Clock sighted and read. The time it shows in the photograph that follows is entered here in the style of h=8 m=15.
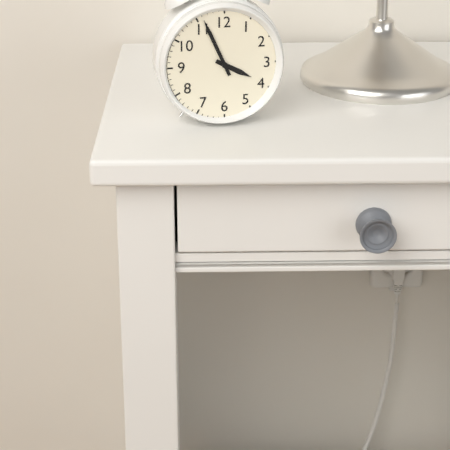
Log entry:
h=3 m=56
